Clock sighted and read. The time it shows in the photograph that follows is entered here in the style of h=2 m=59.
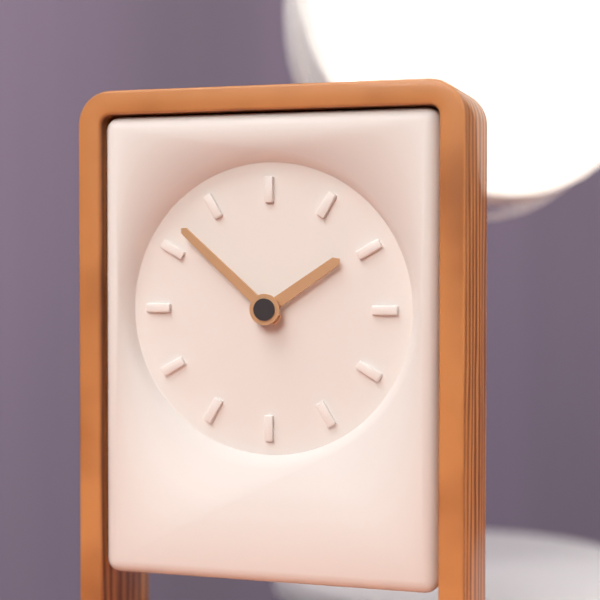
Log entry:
h=1 m=52
